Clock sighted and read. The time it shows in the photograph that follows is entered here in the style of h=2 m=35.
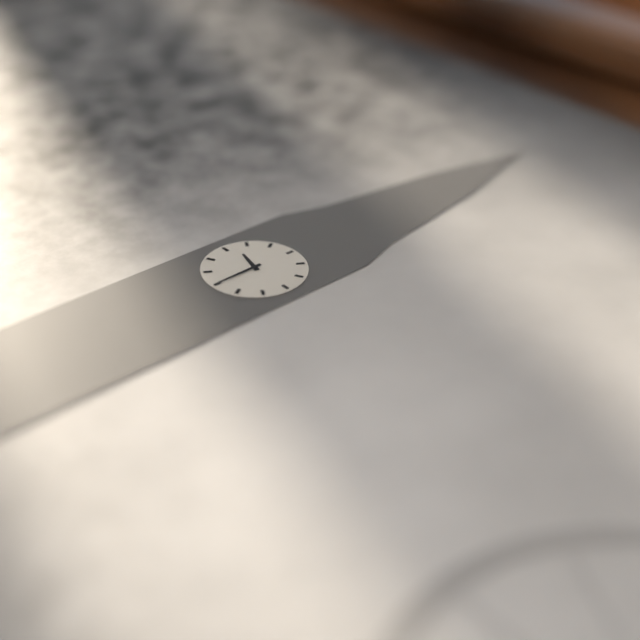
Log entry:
h=9 m=30
